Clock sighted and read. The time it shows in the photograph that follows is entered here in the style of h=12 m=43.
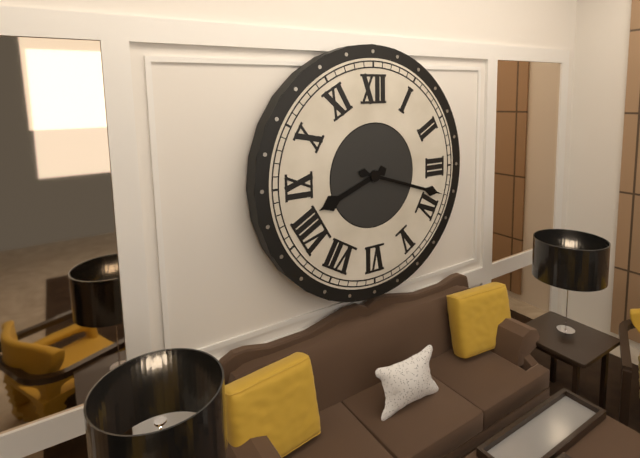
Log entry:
h=8 m=18
